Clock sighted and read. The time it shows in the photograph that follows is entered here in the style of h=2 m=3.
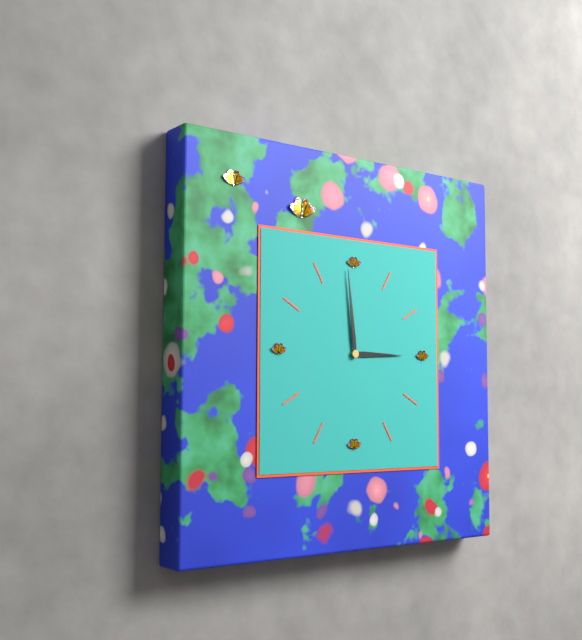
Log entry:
h=2 m=59
